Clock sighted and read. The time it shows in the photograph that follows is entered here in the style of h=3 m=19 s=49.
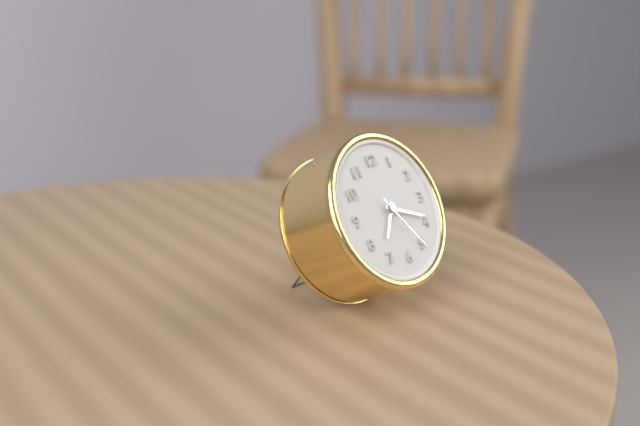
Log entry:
h=7 m=19 s=25
